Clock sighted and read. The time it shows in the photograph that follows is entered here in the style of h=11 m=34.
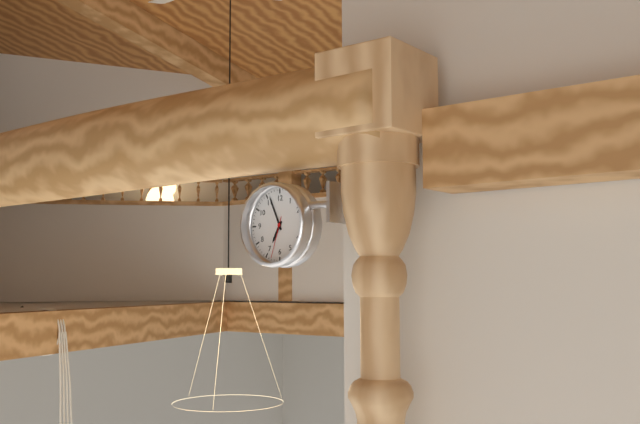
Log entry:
h=6 m=56
